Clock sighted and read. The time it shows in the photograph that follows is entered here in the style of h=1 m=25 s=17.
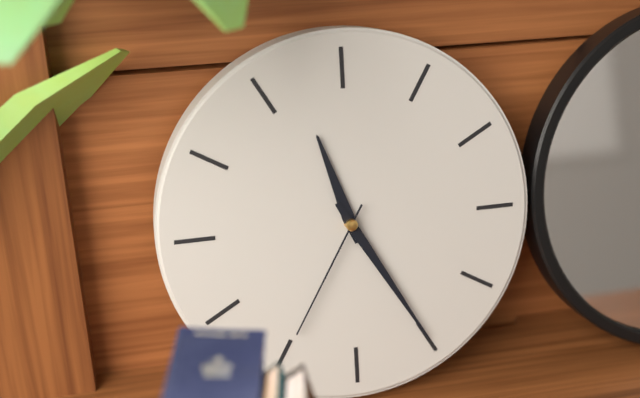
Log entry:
h=11 m=25 s=35
